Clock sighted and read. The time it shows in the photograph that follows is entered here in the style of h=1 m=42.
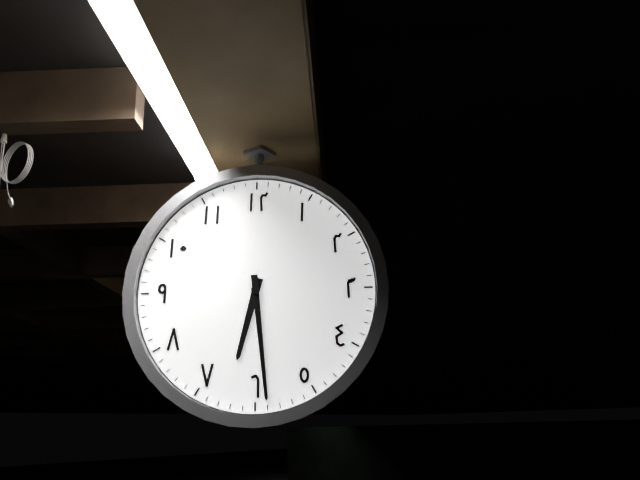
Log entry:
h=6 m=29
